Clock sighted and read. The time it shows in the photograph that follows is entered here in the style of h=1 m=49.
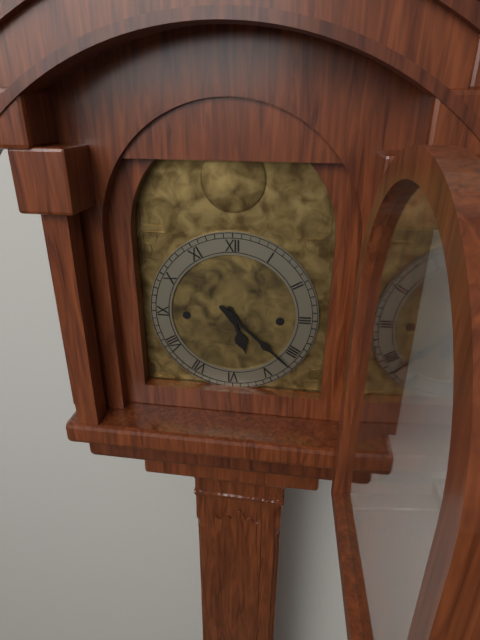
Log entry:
h=5 m=22
